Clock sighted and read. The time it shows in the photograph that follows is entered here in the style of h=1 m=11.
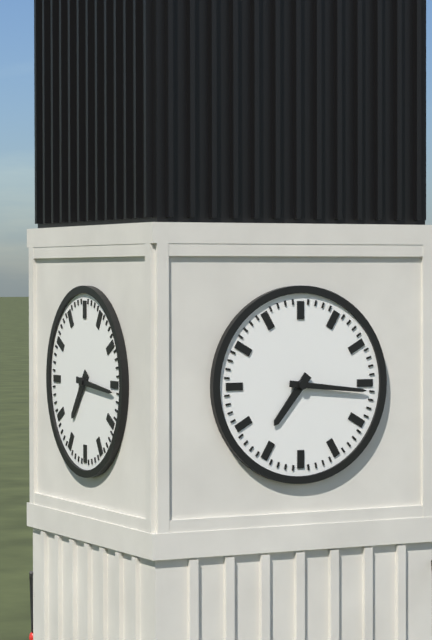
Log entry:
h=7 m=16
